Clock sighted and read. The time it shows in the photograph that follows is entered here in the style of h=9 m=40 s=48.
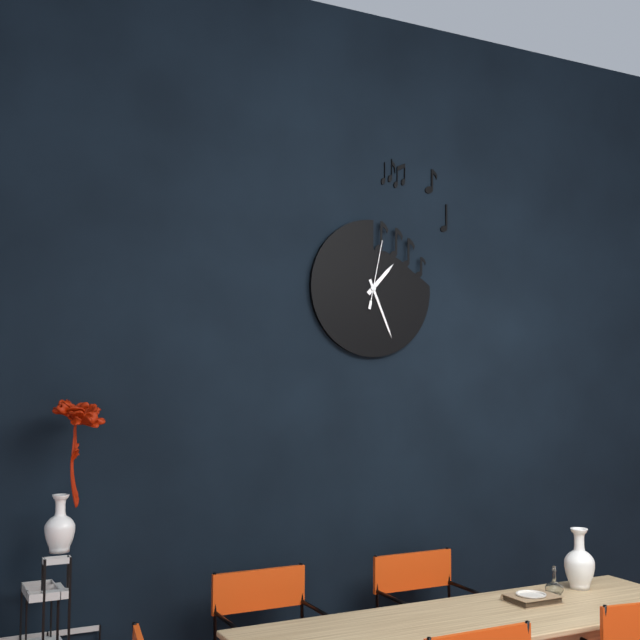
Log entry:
h=1 m=26 s=2
